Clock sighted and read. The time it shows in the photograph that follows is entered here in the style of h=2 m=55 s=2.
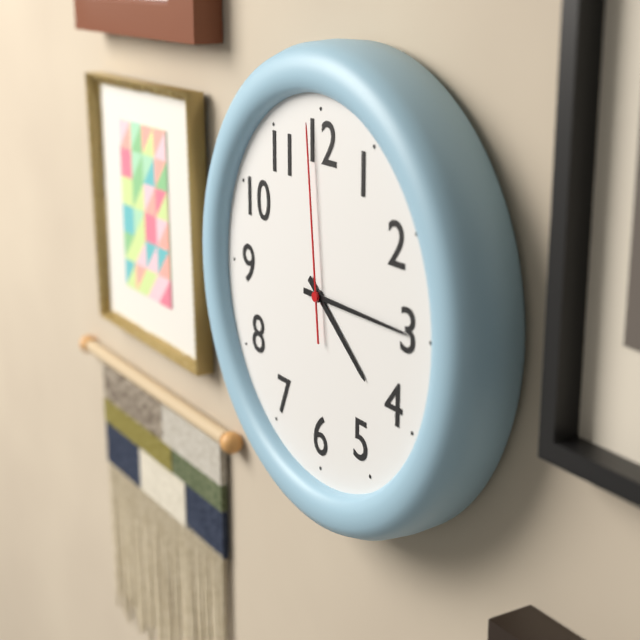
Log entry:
h=4 m=15 s=59
